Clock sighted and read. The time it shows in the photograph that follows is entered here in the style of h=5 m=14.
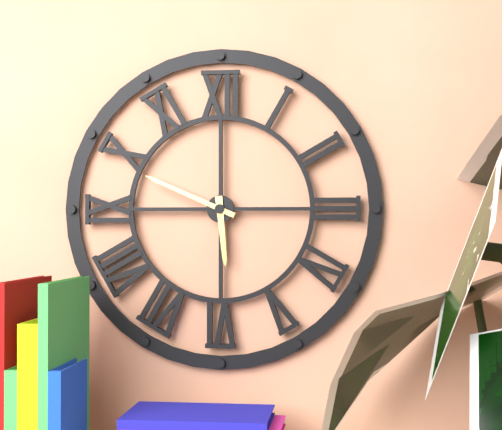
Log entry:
h=5 m=49
